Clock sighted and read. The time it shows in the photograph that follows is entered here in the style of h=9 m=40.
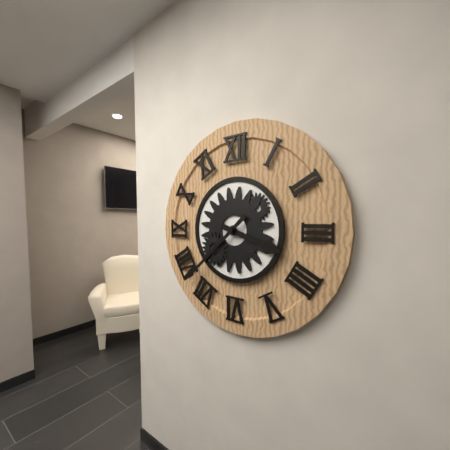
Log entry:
h=3 m=38
